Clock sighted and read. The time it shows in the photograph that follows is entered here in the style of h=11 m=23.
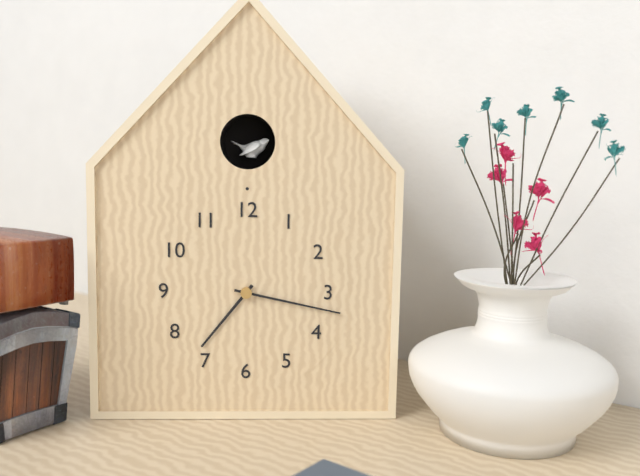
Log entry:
h=7 m=17
